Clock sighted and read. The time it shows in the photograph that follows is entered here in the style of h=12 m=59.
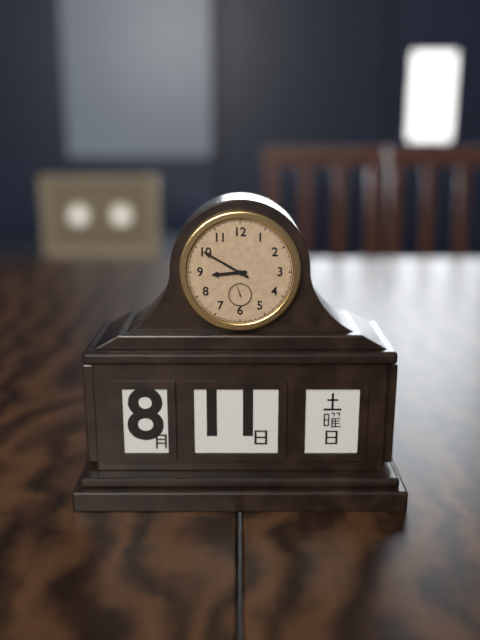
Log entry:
h=8 m=50
